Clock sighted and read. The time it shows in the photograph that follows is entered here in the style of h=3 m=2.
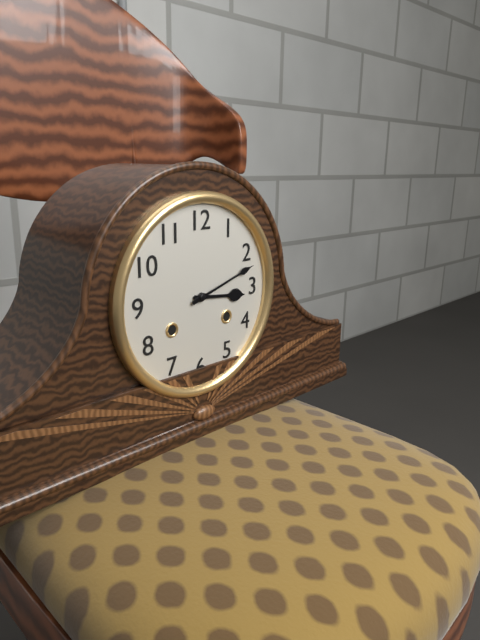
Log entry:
h=3 m=12
